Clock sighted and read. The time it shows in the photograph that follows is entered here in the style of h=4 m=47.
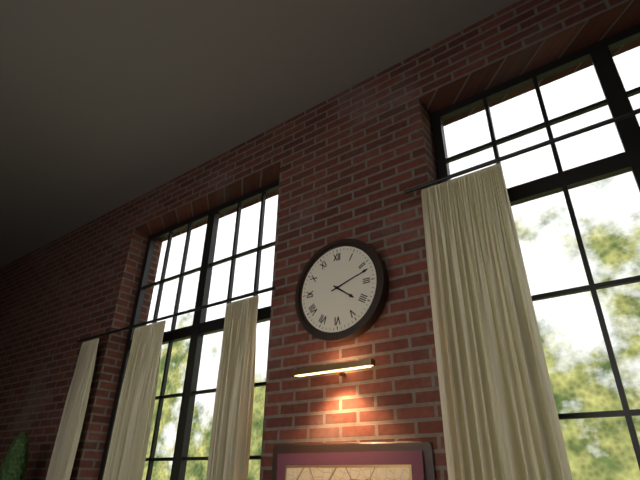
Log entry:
h=4 m=12
